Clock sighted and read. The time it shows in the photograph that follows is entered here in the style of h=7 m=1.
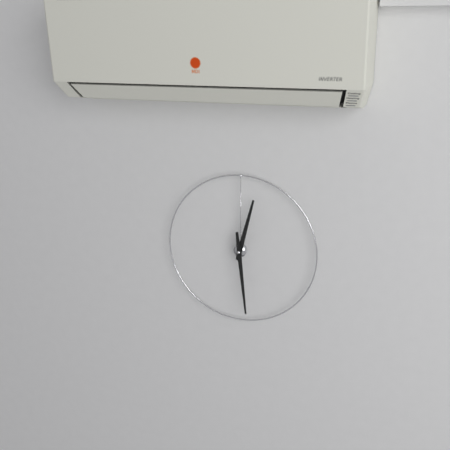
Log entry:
h=12 m=29
